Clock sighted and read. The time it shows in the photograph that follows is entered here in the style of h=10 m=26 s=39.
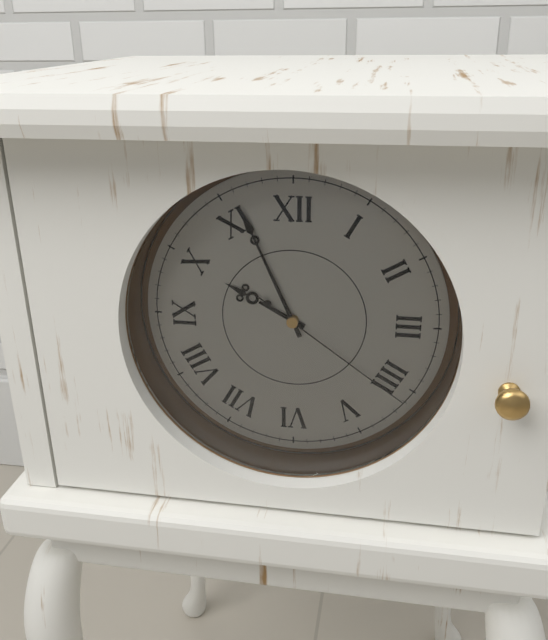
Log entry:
h=9 m=56 s=21
